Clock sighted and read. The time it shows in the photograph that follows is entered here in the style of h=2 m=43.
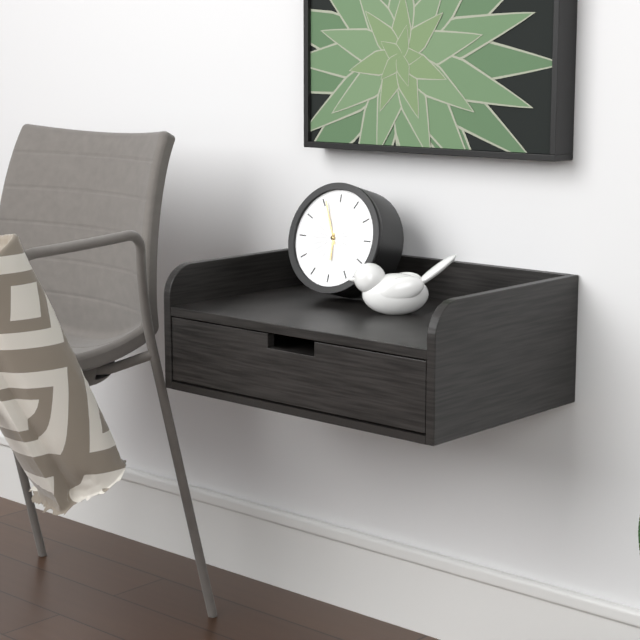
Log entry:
h=5 m=56
